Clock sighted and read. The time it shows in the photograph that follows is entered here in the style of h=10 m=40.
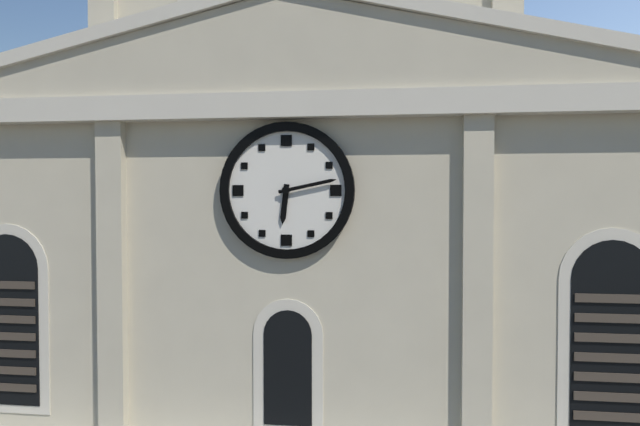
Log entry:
h=6 m=13
